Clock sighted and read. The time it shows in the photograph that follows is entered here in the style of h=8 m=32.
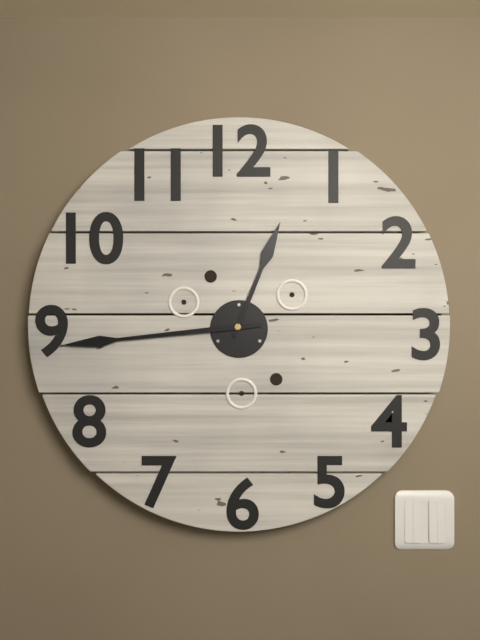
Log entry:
h=12 m=44
